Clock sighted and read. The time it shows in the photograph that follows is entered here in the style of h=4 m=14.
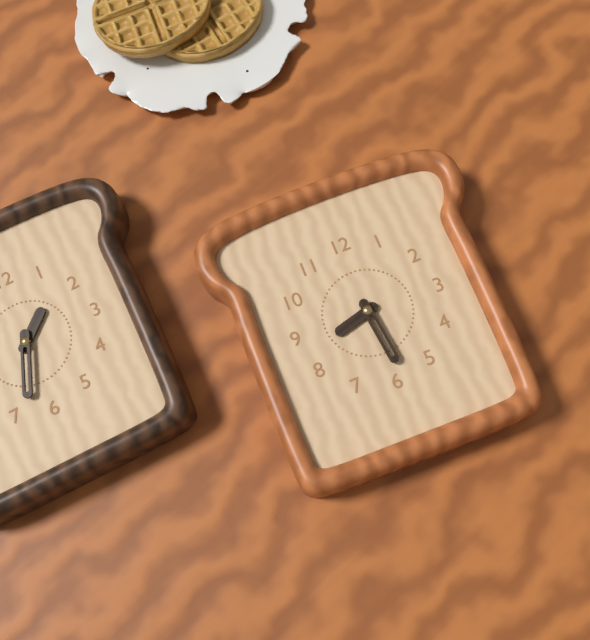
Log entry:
h=8 m=29
